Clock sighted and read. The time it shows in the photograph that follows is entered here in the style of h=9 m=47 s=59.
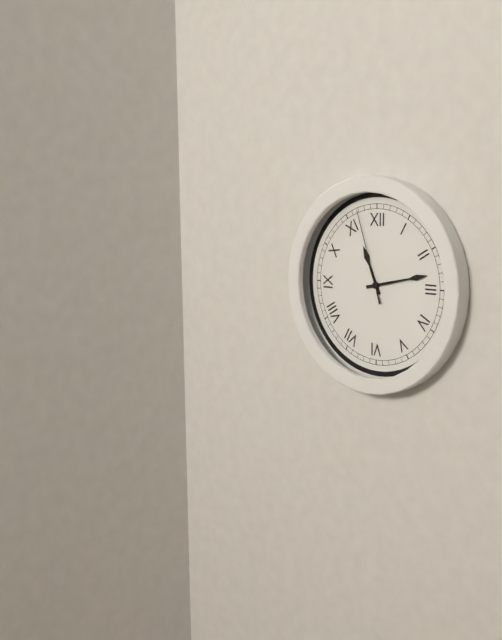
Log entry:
h=11 m=13 s=57
